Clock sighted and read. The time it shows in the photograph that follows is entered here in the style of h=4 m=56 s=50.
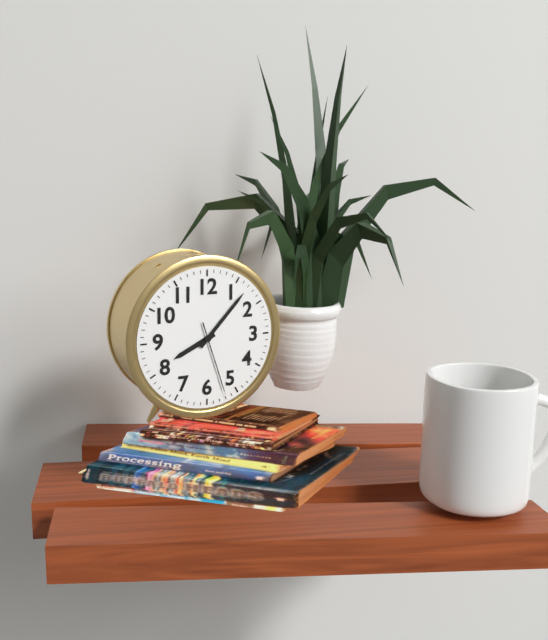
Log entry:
h=8 m=7 s=27
